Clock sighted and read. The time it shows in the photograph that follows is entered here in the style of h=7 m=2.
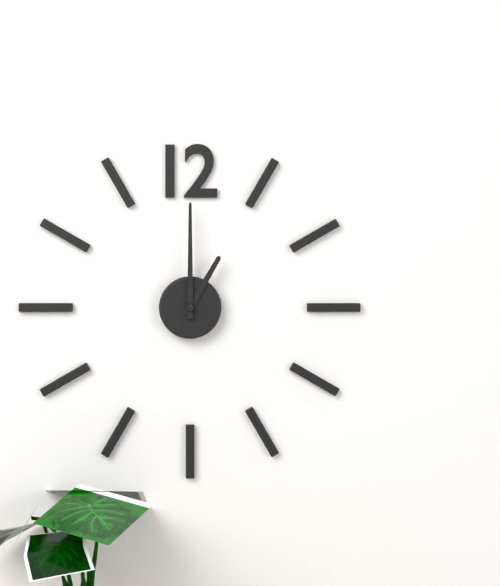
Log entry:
h=1 m=0
